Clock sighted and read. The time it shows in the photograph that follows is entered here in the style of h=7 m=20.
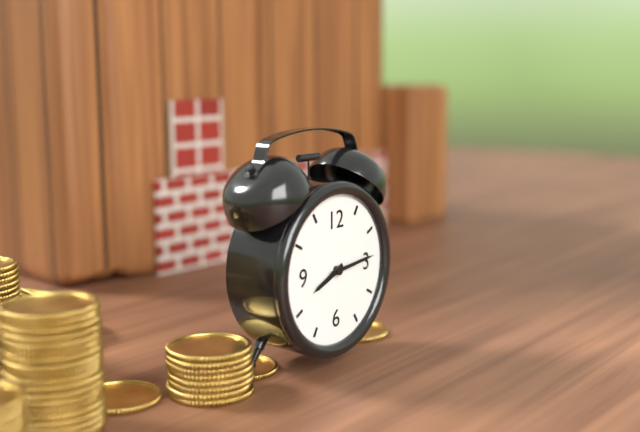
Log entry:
h=8 m=14
